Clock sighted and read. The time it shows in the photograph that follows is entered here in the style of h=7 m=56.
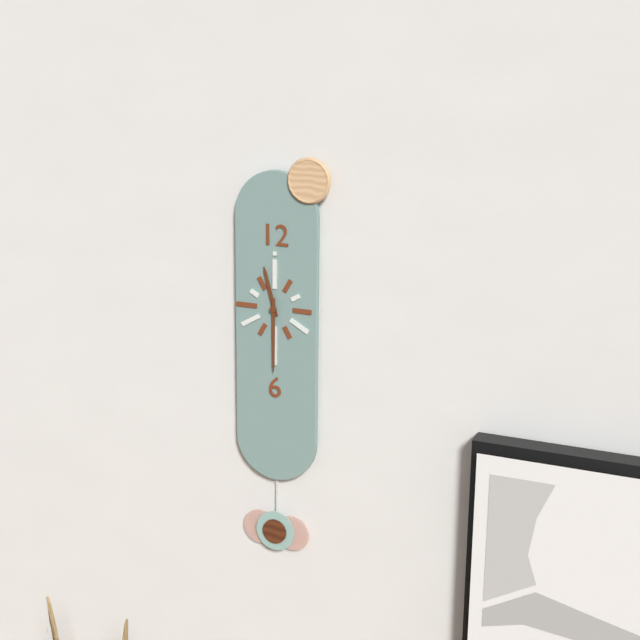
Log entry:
h=11 m=30
